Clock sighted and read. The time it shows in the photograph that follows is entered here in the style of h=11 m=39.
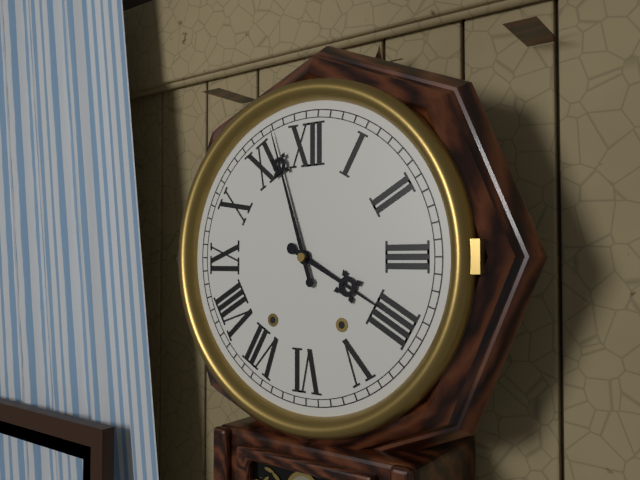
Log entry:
h=3 m=57
